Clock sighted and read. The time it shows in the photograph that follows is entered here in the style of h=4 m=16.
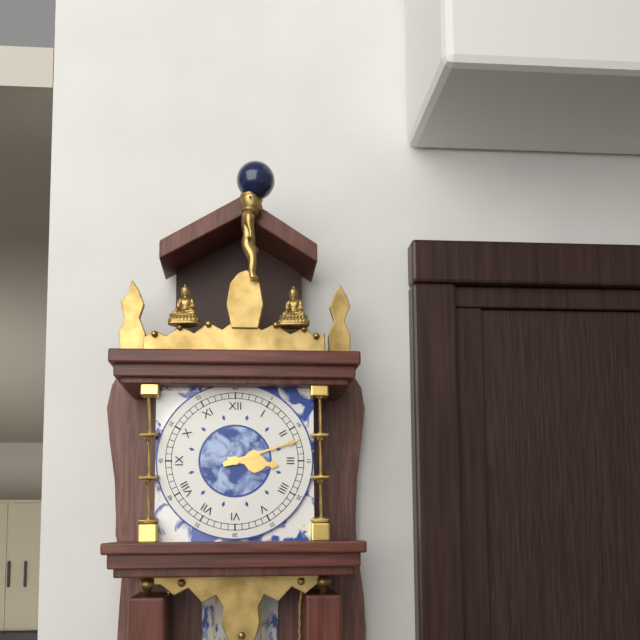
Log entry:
h=3 m=12
